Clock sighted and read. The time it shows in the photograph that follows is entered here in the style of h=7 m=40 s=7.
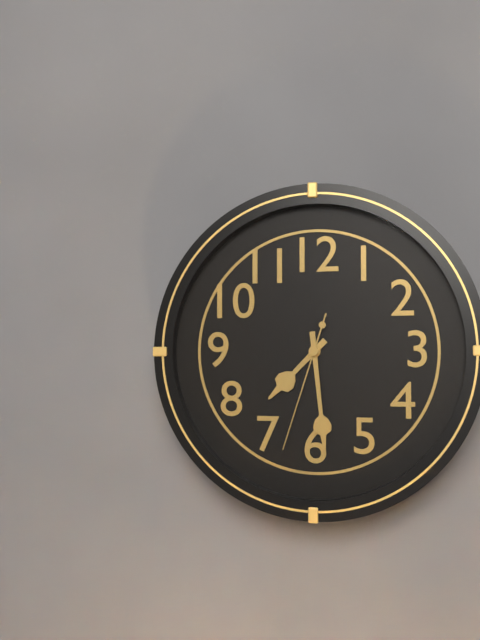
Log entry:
h=7 m=29 s=33
